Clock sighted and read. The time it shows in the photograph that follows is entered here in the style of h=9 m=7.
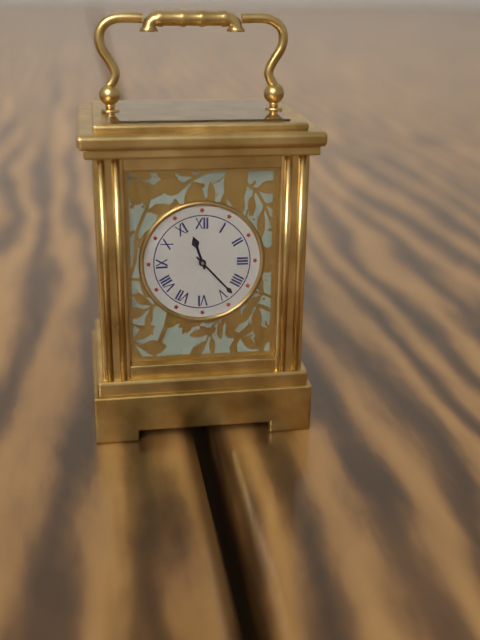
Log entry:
h=11 m=23
